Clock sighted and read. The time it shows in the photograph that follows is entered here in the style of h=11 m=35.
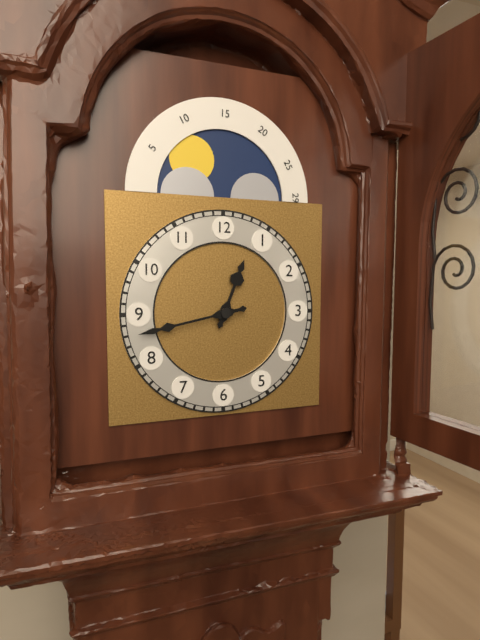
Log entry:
h=12 m=43
